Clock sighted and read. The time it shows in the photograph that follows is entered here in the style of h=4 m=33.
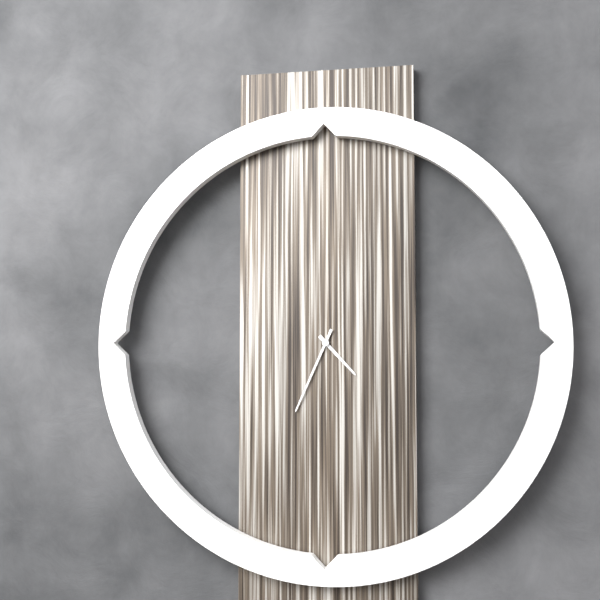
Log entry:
h=4 m=34
